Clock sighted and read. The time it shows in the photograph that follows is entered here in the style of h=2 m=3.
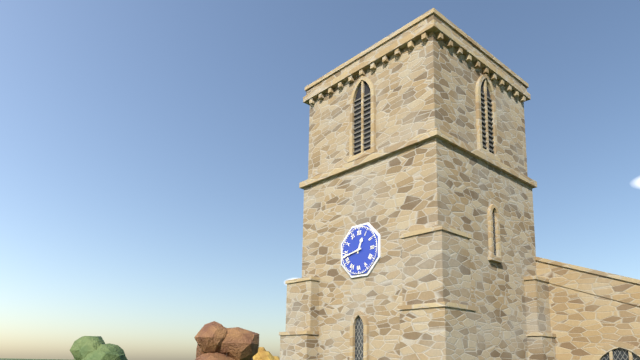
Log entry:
h=12 m=43
